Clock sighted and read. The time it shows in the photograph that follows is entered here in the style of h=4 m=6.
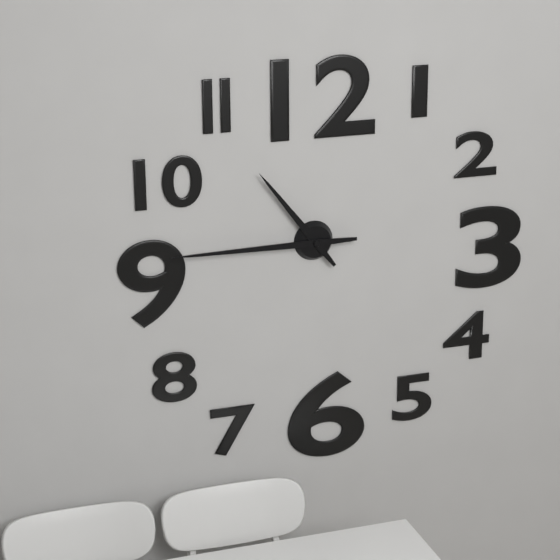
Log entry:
h=10 m=45
